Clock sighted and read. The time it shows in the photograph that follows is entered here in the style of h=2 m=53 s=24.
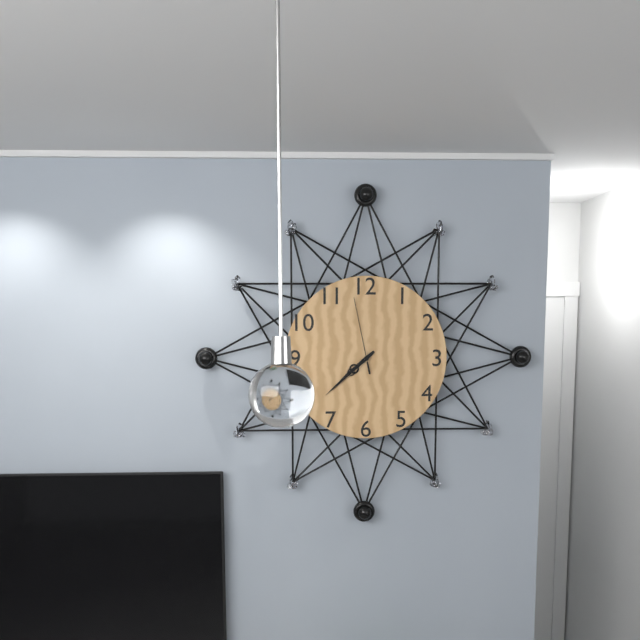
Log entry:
h=7 m=38 s=58
